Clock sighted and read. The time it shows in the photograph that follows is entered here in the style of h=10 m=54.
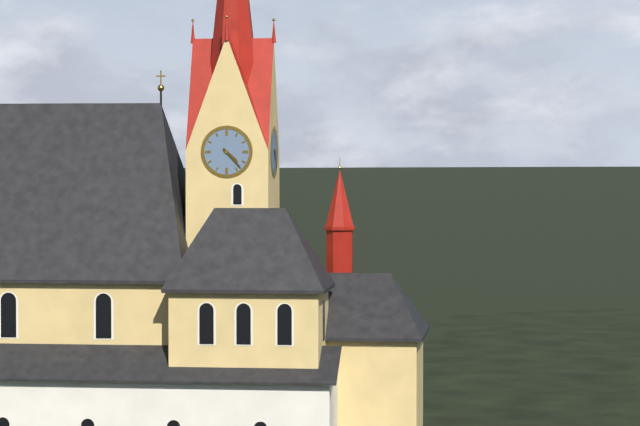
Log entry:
h=4 m=23
